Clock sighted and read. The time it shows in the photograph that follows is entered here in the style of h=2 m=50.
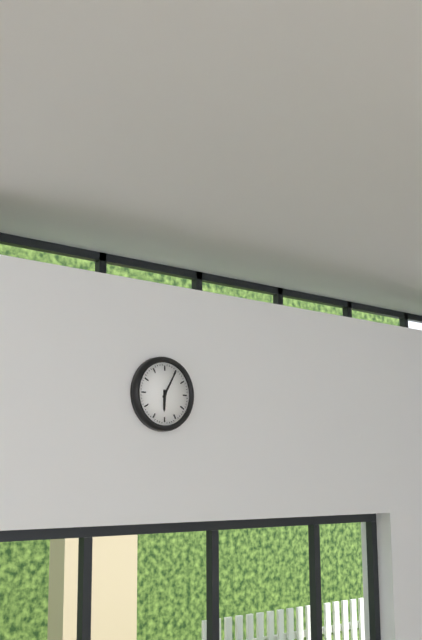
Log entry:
h=6 m=5
